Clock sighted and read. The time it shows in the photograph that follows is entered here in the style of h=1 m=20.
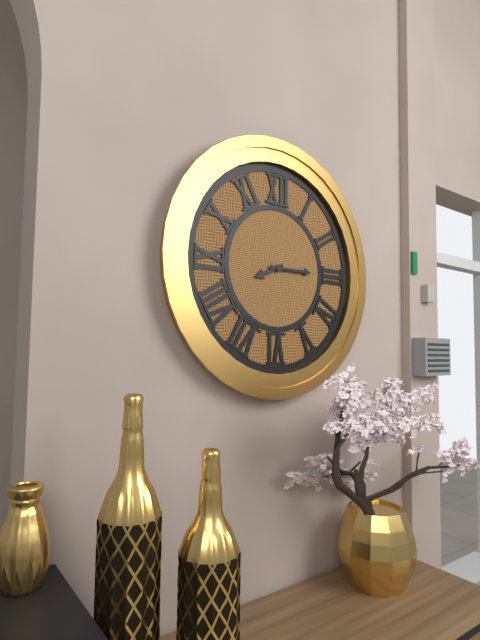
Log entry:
h=8 m=15
